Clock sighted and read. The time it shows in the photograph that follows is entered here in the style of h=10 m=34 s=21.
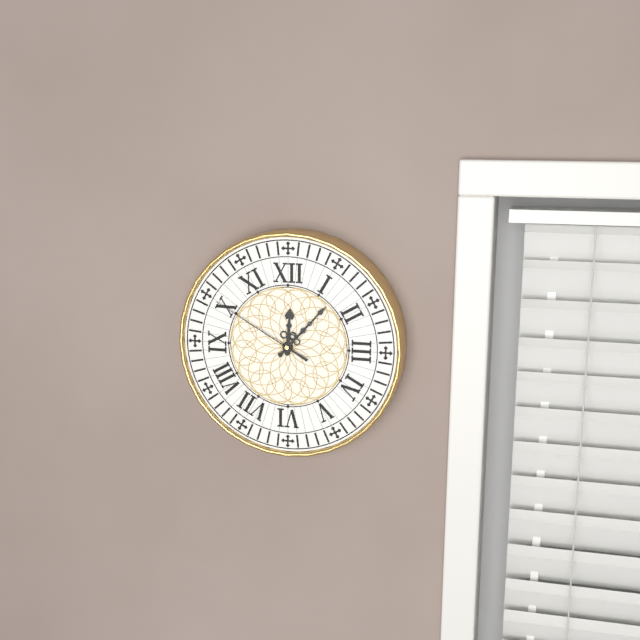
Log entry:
h=12 m=7 s=50
